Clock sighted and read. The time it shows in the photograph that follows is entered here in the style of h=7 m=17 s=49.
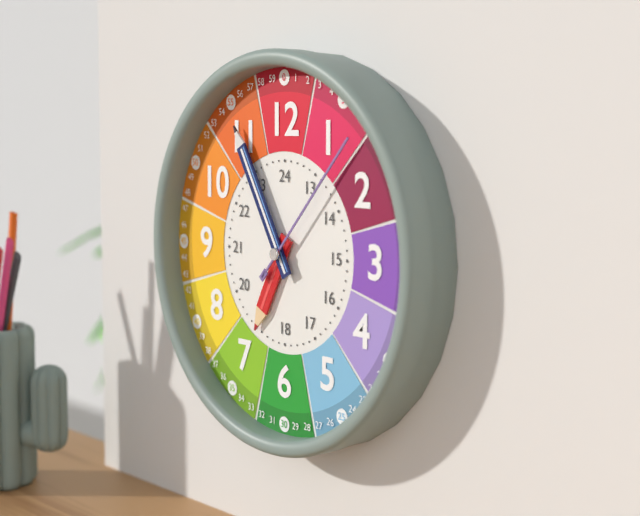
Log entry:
h=6 m=55 s=7
